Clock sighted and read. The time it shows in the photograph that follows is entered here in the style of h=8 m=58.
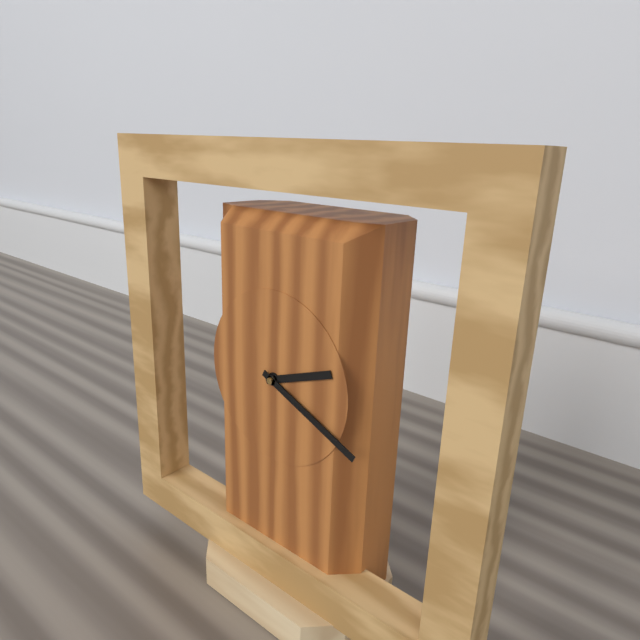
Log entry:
h=2 m=19
